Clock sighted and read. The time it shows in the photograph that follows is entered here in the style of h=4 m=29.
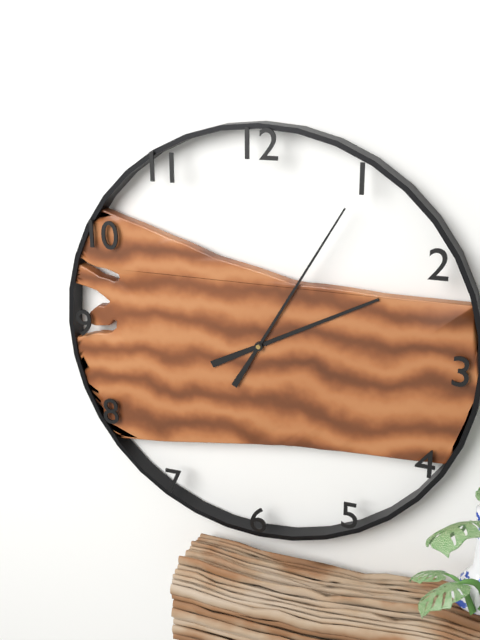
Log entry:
h=2 m=5
